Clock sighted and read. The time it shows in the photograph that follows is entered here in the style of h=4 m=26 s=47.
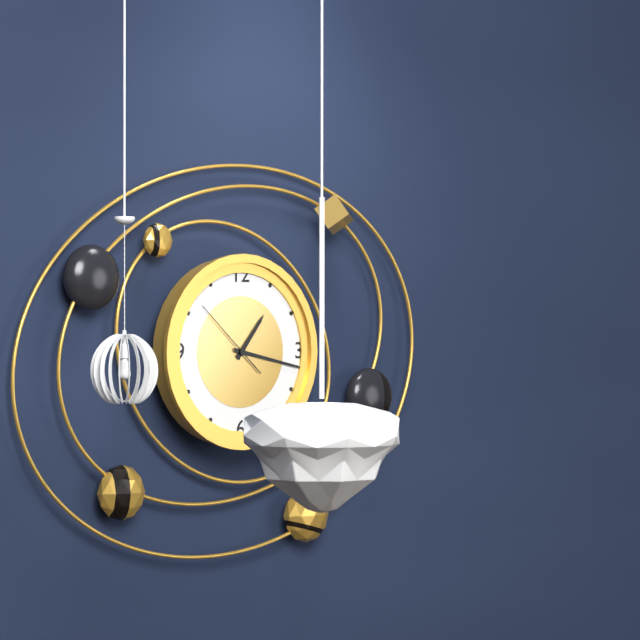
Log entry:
h=1 m=17 s=52
